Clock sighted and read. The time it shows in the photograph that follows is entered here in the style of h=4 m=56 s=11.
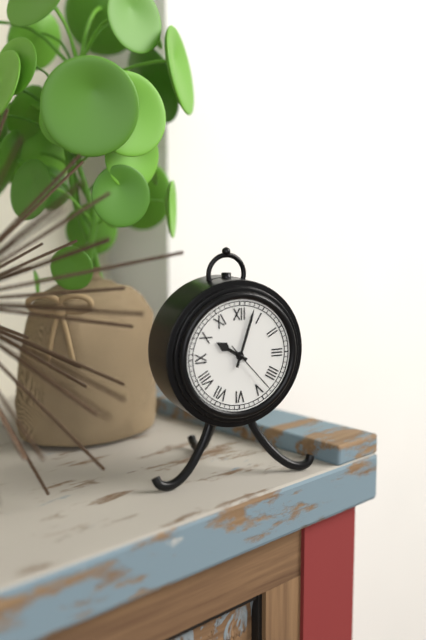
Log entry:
h=10 m=3 s=23
